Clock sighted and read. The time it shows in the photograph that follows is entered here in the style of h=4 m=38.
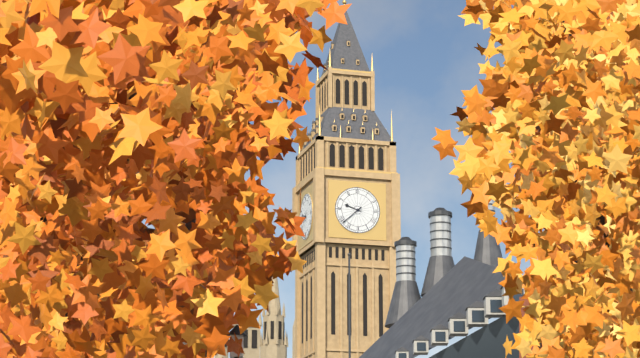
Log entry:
h=9 m=38
